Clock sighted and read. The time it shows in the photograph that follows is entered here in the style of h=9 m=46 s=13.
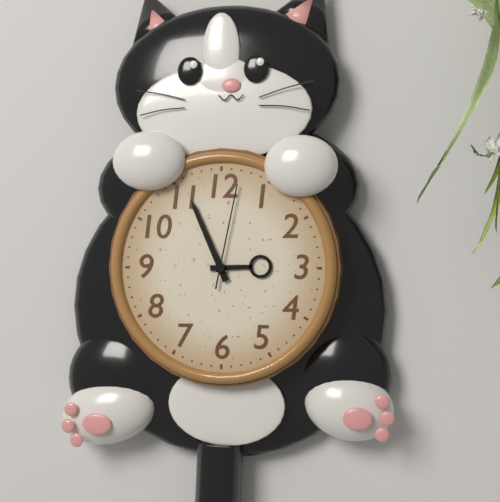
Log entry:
h=2 m=56 s=2
